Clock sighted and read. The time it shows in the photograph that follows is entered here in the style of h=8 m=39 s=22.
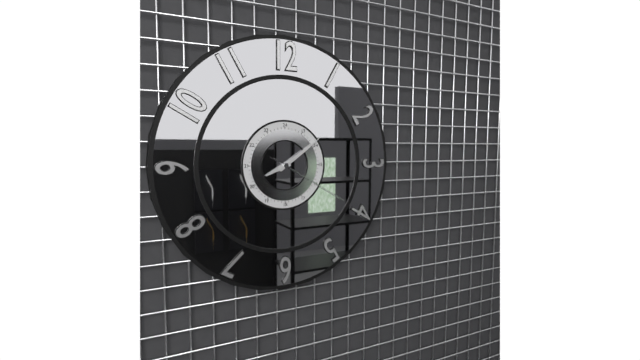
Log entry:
h=8 m=9 s=20
